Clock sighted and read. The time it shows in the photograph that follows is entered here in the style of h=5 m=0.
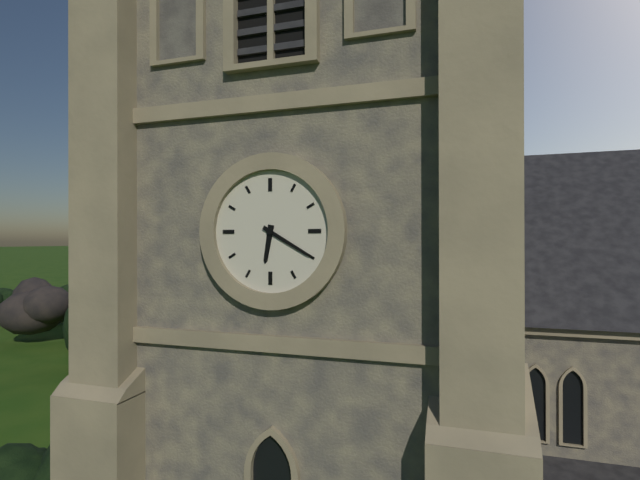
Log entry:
h=6 m=20
